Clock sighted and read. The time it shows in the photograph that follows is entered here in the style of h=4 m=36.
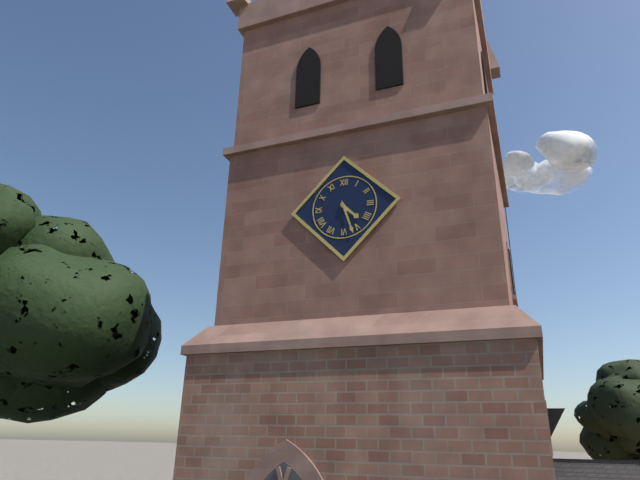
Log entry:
h=4 m=27
